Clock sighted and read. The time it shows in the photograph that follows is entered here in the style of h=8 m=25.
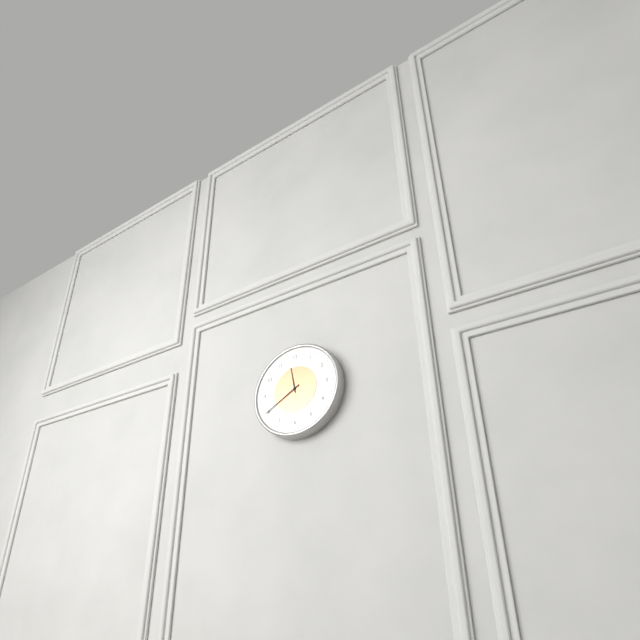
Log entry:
h=11 m=40
